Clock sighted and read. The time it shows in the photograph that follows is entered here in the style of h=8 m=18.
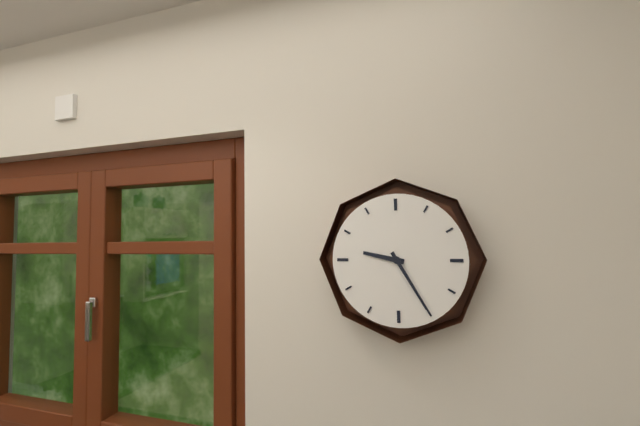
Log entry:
h=9 m=25
